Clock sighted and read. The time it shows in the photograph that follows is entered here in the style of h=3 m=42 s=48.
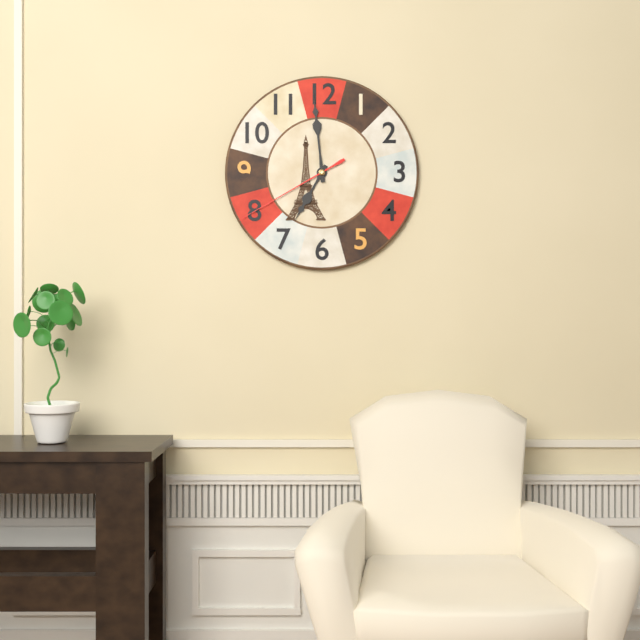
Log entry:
h=6 m=59 s=40
